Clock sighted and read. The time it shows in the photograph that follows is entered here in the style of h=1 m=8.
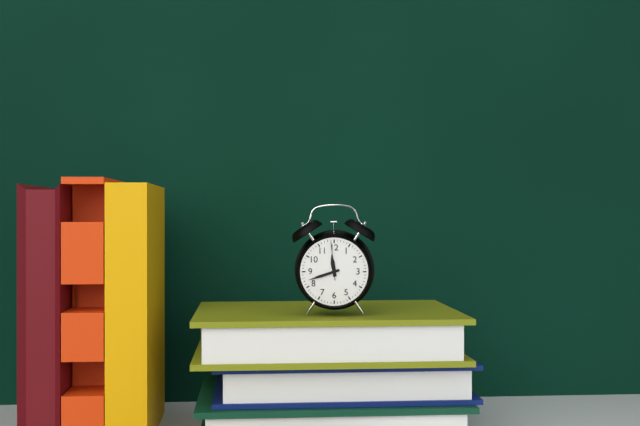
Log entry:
h=11 m=42
